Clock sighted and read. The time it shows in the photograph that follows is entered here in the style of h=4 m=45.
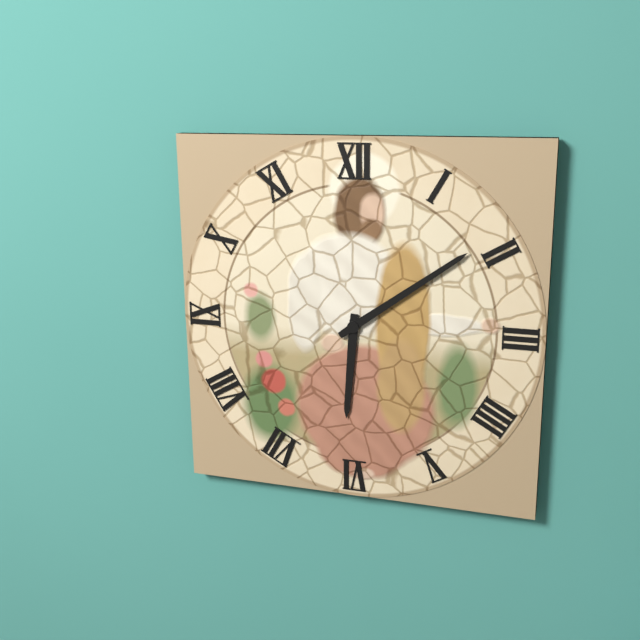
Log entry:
h=6 m=9
